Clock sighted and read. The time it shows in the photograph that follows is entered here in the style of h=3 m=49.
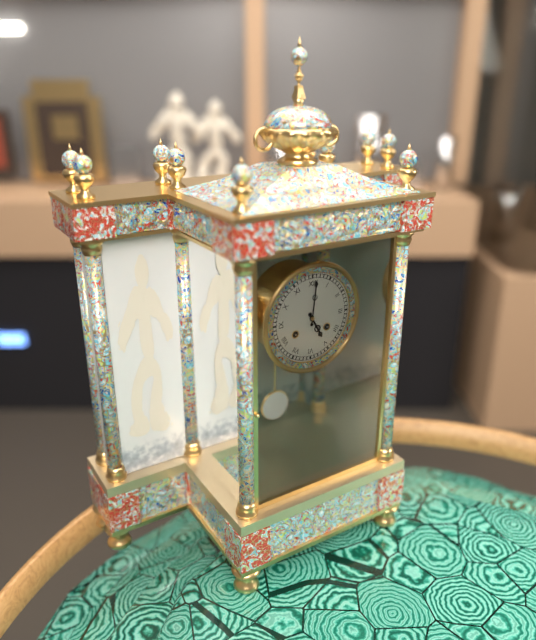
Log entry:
h=5 m=1
